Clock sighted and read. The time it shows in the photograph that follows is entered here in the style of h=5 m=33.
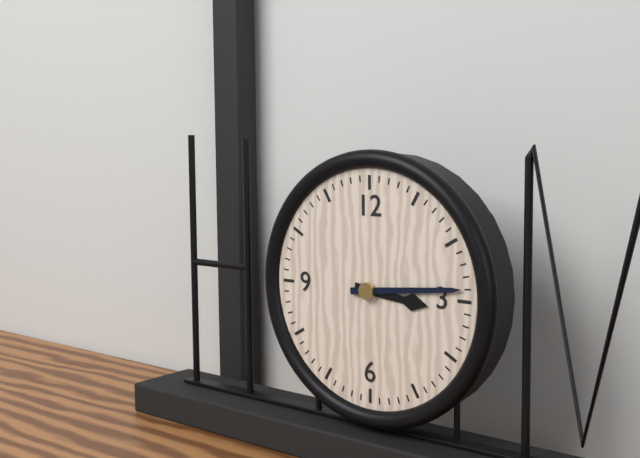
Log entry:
h=3 m=14
